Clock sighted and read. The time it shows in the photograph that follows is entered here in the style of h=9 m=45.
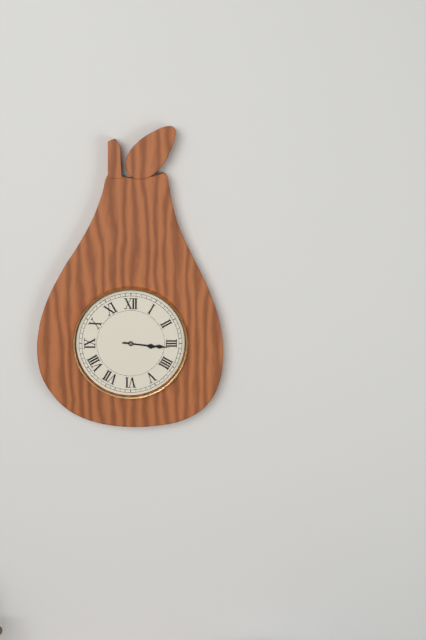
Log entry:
h=3 m=16
